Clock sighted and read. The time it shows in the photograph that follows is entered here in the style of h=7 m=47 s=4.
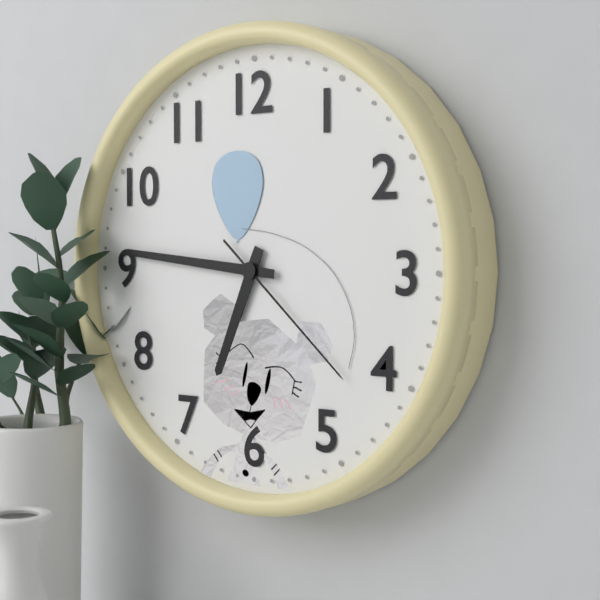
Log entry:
h=6 m=46 s=22
